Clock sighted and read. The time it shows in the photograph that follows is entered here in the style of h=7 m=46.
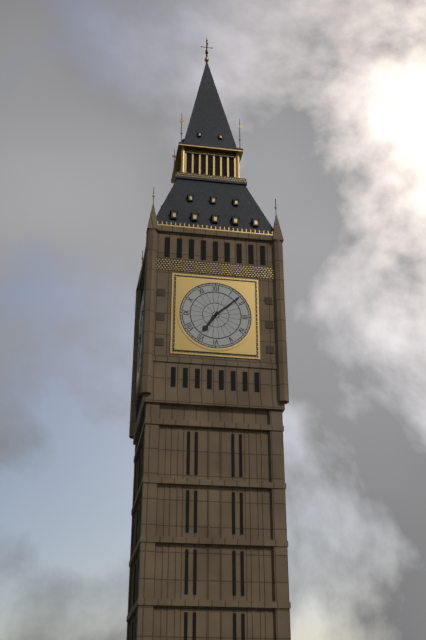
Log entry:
h=7 m=8
